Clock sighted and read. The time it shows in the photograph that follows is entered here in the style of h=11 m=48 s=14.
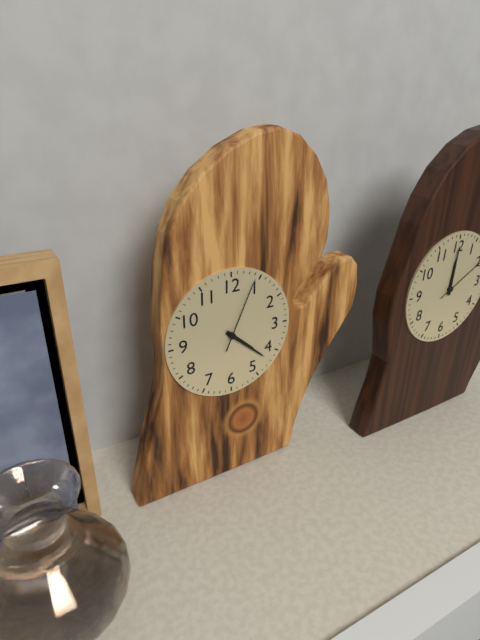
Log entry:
h=4 m=22 s=4
